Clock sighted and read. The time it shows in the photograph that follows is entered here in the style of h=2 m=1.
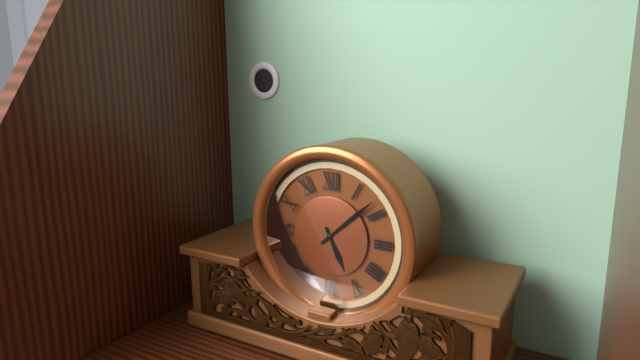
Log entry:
h=5 m=8
